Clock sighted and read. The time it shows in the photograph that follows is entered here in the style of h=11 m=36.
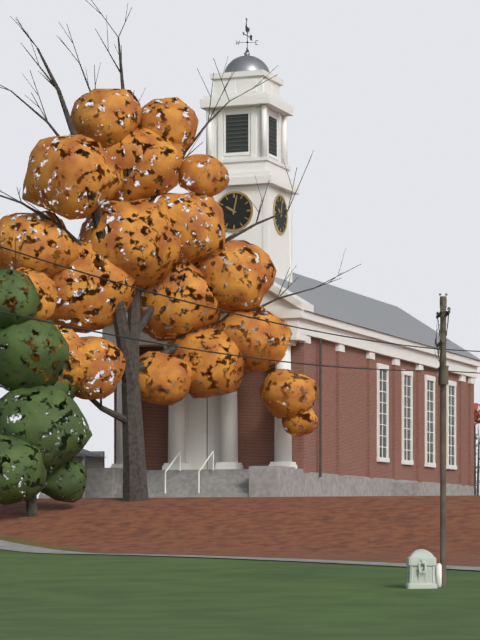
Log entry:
h=10 m=2
